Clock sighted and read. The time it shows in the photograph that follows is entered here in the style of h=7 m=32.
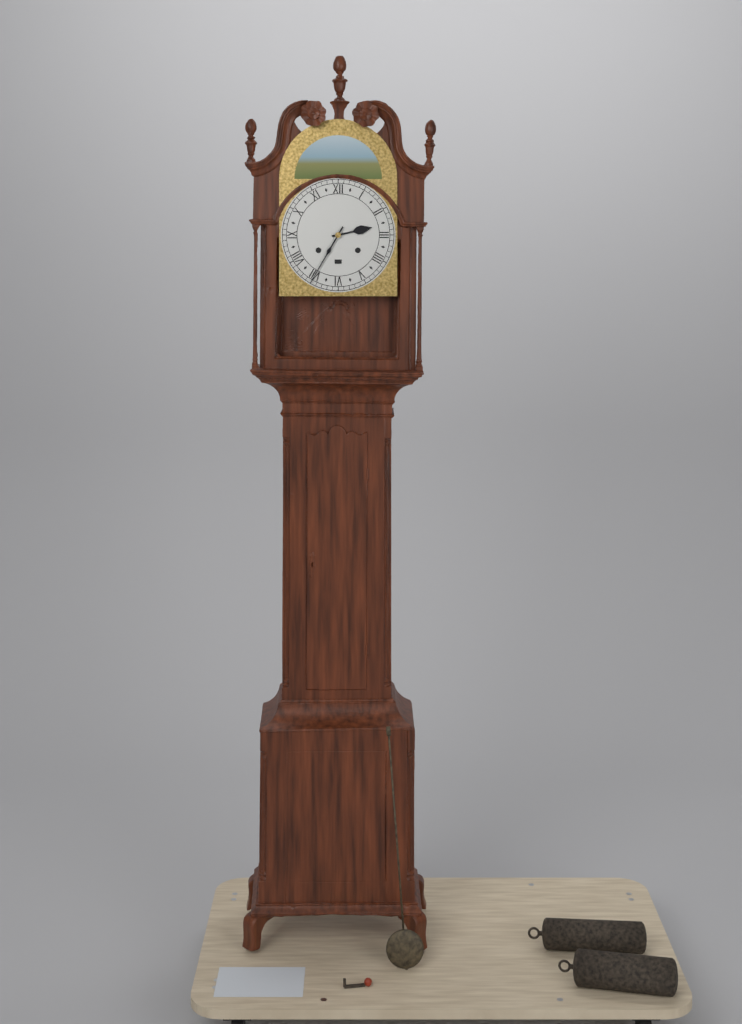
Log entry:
h=2 m=35
